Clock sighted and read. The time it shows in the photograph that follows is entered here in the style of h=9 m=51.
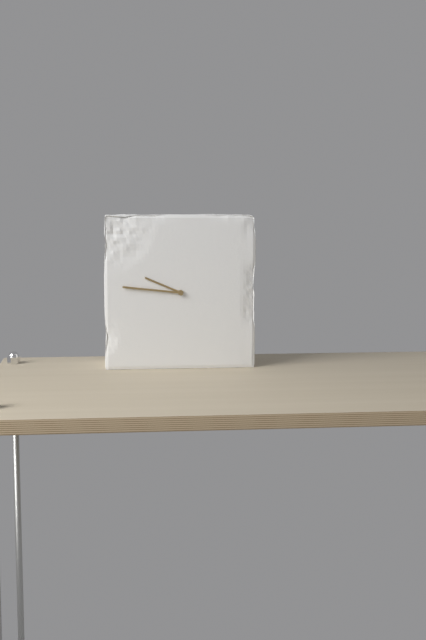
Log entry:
h=9 m=46
